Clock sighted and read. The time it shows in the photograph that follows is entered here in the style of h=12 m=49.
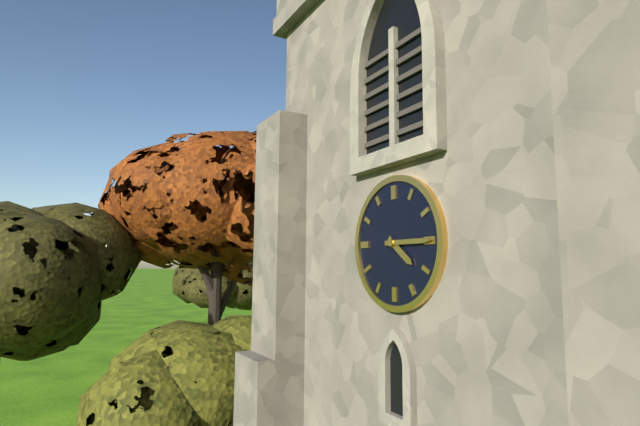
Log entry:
h=4 m=15
